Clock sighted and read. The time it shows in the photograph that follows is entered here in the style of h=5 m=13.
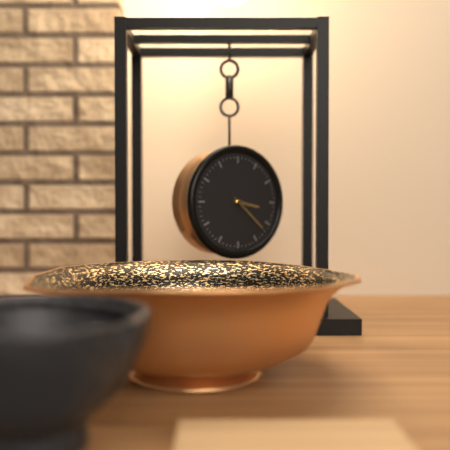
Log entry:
h=3 m=22
